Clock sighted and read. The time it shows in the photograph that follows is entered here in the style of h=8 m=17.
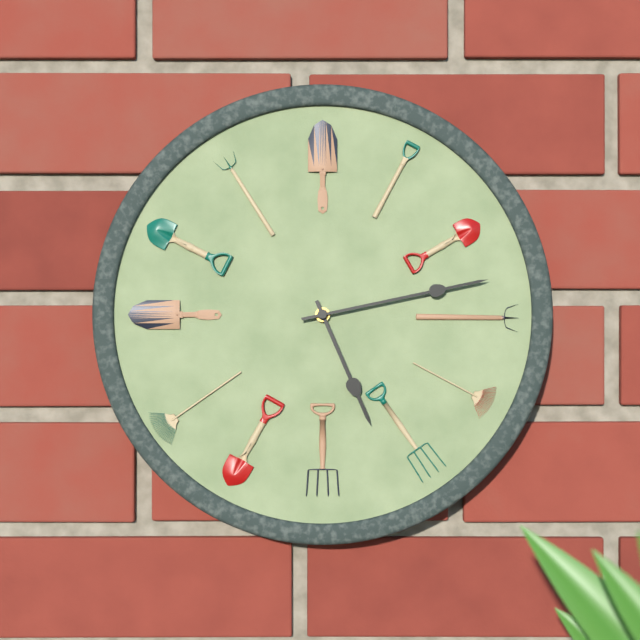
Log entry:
h=5 m=13
